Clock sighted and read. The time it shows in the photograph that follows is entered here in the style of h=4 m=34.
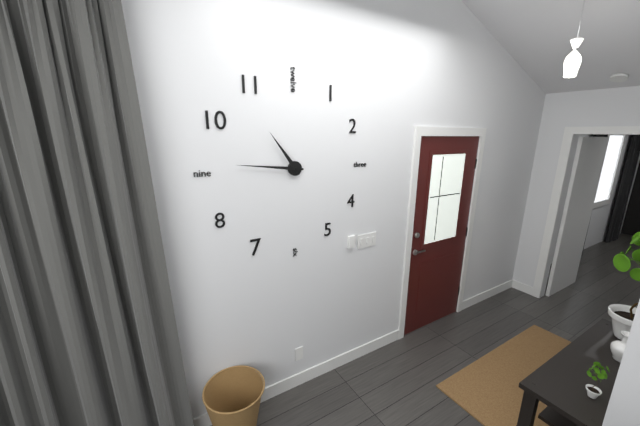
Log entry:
h=10 m=46
